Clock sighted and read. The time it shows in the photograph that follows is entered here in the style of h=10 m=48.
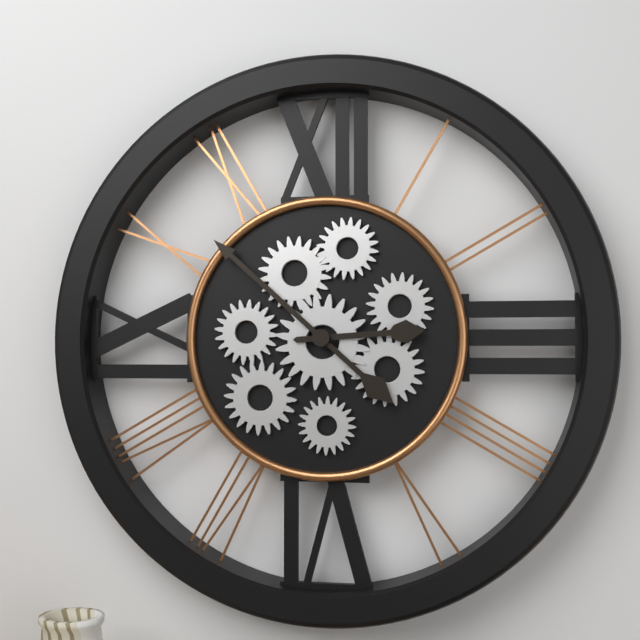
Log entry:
h=2 m=52
